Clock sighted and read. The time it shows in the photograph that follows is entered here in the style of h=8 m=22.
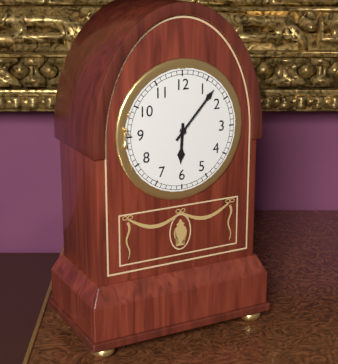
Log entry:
h=6 m=7
